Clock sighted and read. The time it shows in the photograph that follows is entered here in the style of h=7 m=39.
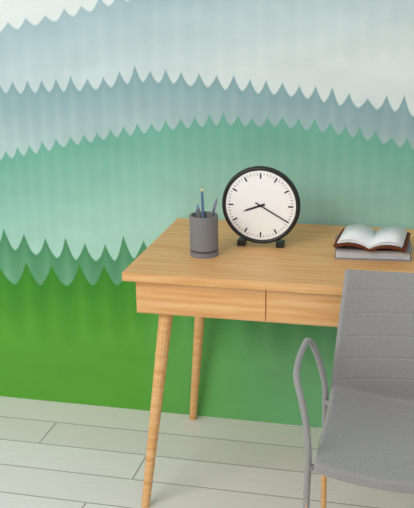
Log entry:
h=8 m=20
